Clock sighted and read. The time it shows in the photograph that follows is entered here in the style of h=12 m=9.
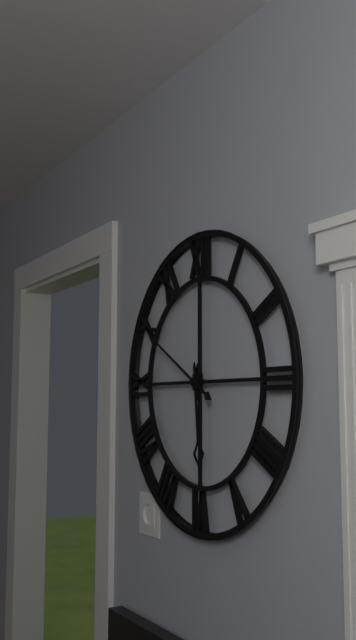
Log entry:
h=5 m=50
